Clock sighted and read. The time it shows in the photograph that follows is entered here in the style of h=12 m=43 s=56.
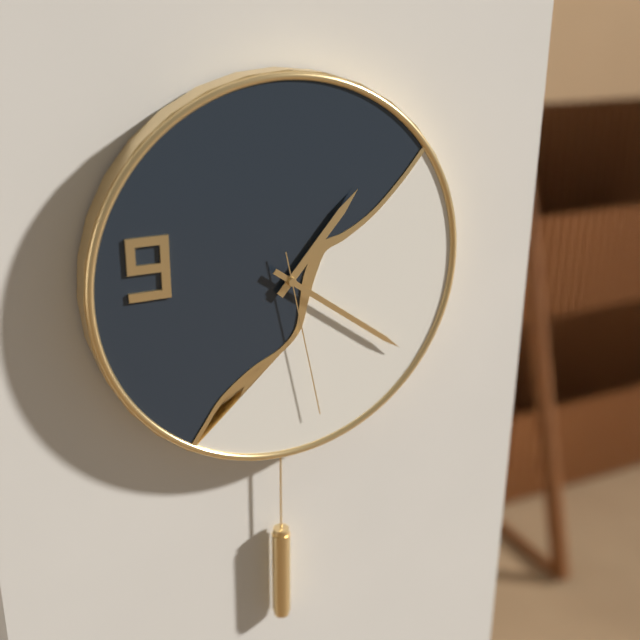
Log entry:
h=1 m=21 s=28
